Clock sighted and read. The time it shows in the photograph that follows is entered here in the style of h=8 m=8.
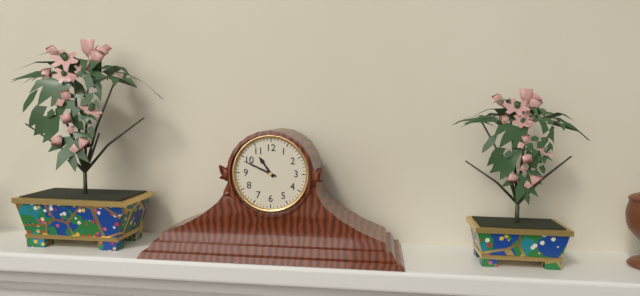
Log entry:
h=10 m=49
